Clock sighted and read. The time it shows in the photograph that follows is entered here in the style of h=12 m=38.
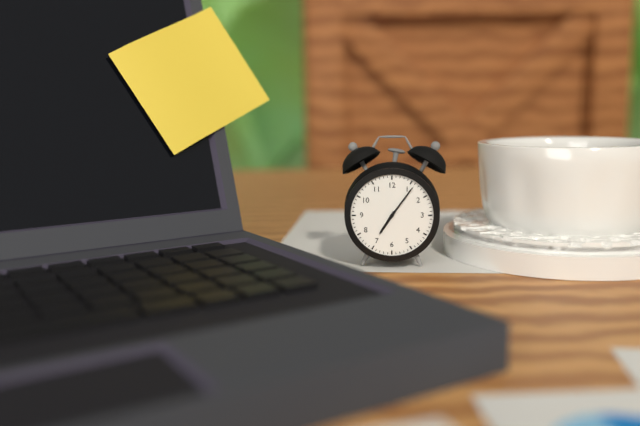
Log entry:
h=7 m=6
